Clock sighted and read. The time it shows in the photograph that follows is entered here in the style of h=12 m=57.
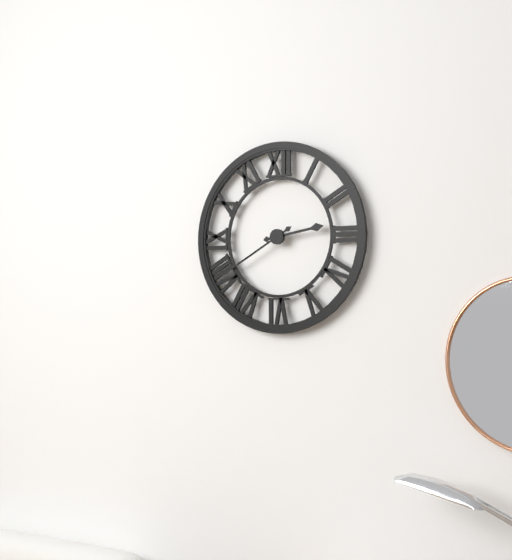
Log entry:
h=2 m=40
